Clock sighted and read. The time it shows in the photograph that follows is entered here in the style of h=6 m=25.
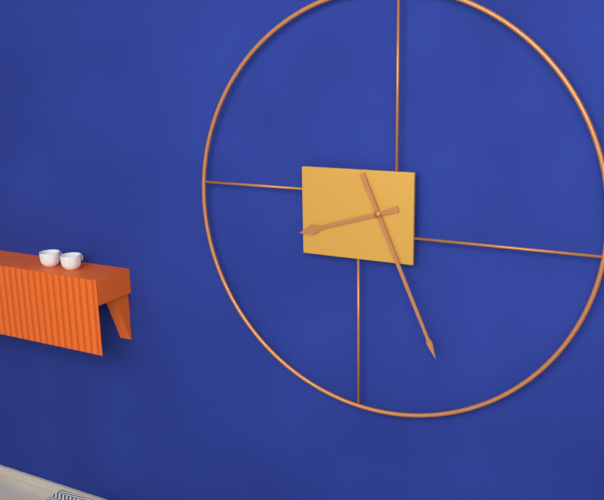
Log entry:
h=8 m=26
